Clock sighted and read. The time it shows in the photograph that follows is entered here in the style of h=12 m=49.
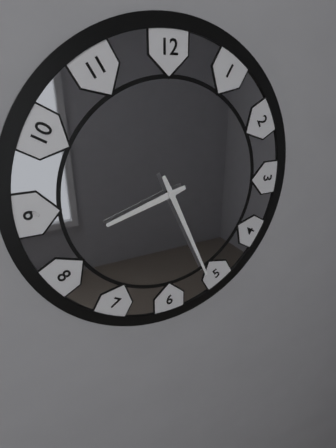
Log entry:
h=8 m=26
